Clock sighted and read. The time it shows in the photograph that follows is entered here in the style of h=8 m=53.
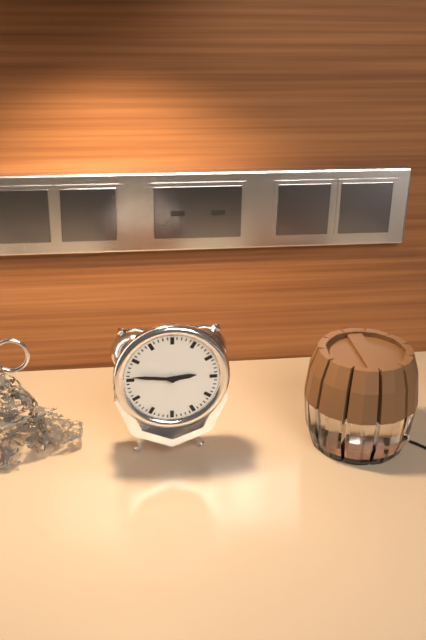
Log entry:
h=2 m=46
